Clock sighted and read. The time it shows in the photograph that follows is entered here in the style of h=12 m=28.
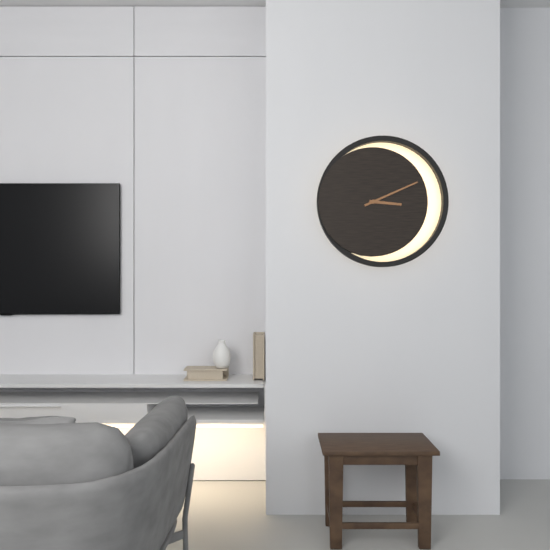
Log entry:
h=3 m=11
